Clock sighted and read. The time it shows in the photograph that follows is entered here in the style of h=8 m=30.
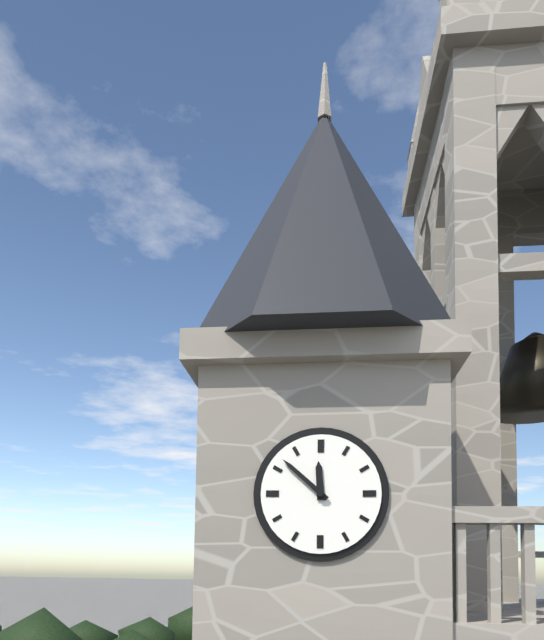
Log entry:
h=11 m=52
